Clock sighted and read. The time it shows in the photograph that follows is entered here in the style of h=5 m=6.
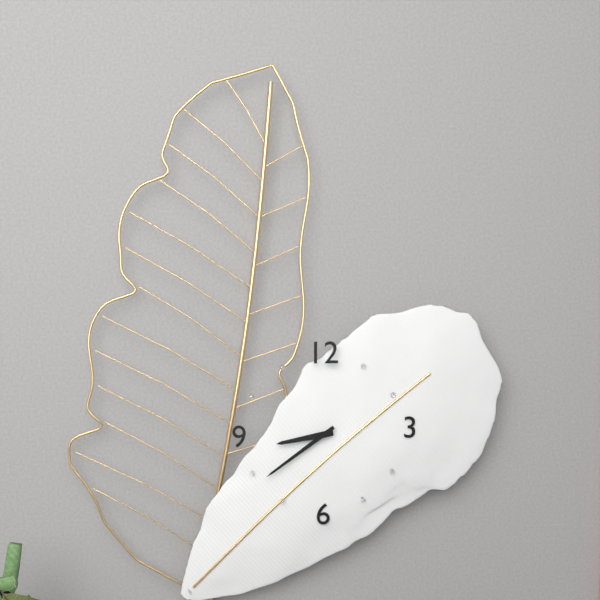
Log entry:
h=8 m=39
